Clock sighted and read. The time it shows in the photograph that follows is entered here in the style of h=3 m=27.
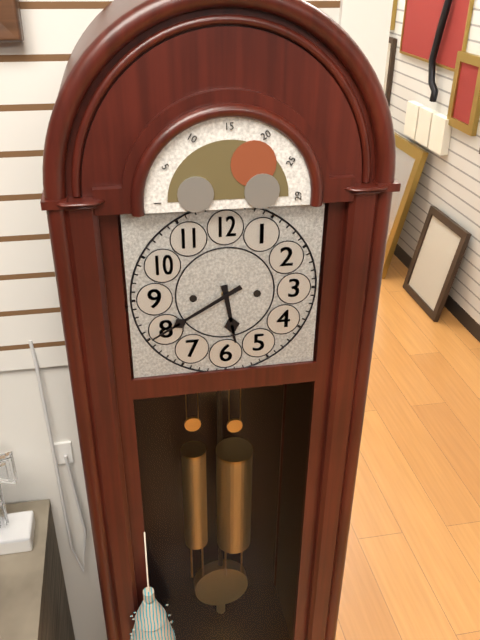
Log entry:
h=5 m=40
